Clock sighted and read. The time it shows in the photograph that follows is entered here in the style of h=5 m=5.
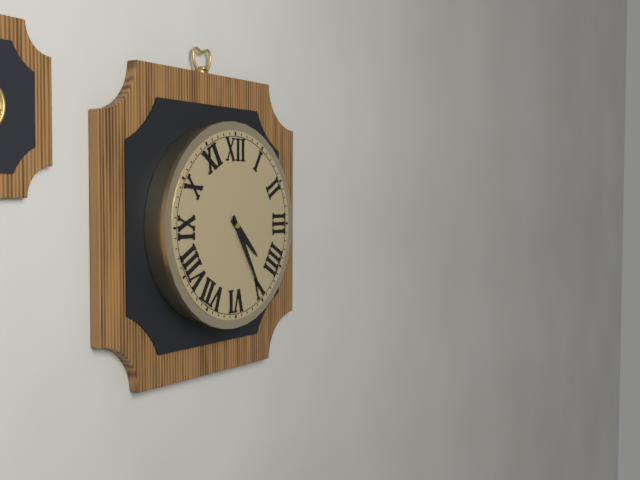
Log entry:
h=4 m=25
